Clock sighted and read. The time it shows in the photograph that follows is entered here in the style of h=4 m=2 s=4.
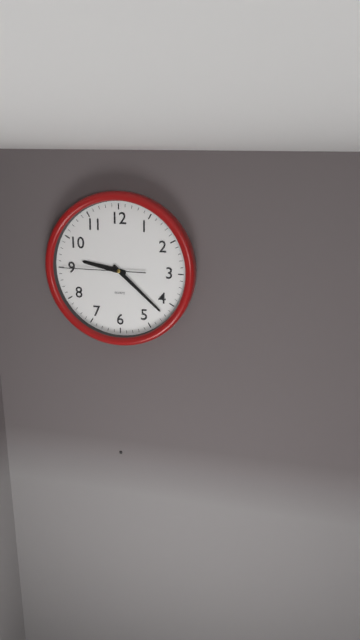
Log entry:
h=9 m=22 s=45
